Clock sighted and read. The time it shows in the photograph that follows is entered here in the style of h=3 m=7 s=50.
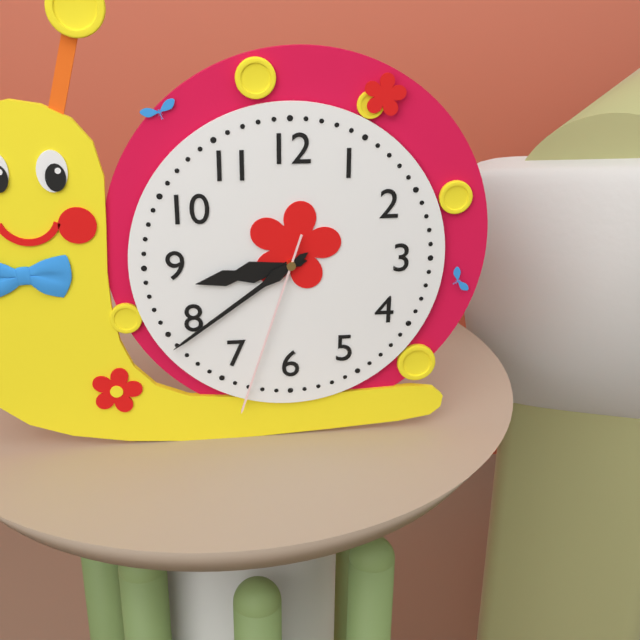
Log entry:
h=8 m=39 s=33
